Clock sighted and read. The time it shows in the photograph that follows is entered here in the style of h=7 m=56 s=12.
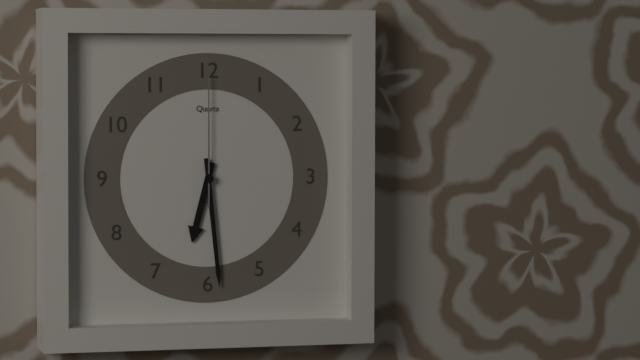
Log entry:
h=6 m=29 s=0
